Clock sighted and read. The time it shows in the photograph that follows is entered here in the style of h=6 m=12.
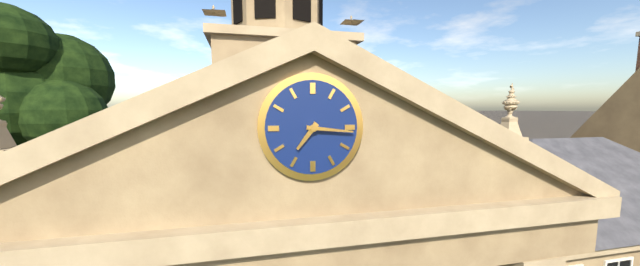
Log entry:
h=7 m=16
